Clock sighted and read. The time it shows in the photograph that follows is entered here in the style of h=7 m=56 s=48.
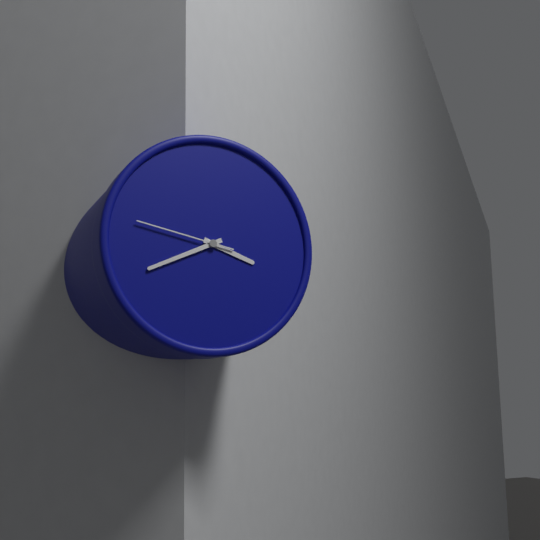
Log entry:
h=3 m=41 s=47
